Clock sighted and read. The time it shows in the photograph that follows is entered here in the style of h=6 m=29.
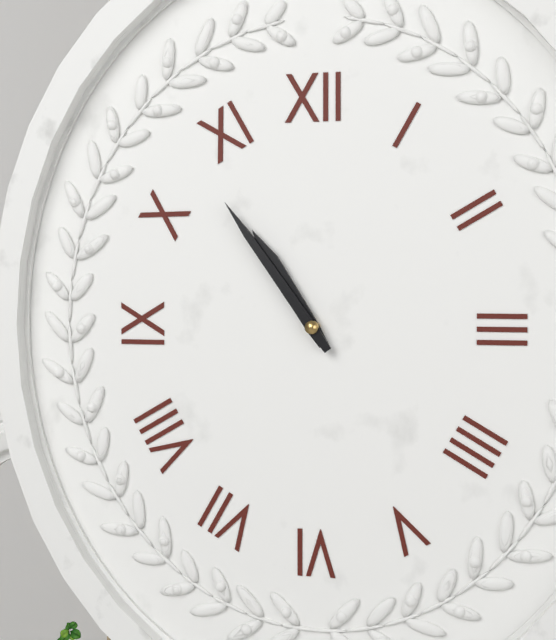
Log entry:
h=10 m=54
